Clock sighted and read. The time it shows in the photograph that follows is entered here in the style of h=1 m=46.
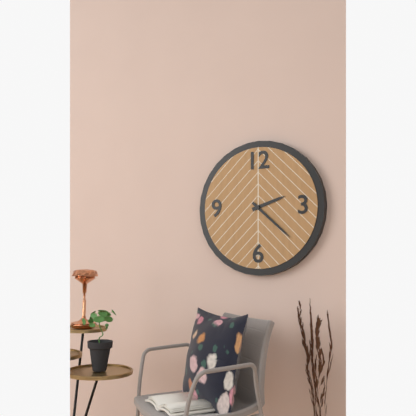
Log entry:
h=2 m=22
